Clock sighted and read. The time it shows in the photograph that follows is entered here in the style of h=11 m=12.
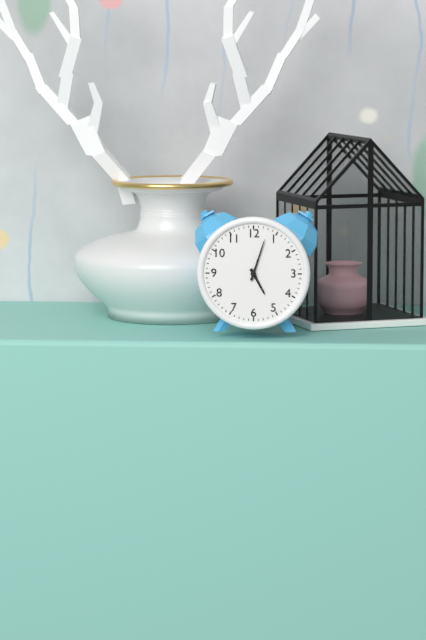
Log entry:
h=5 m=3
